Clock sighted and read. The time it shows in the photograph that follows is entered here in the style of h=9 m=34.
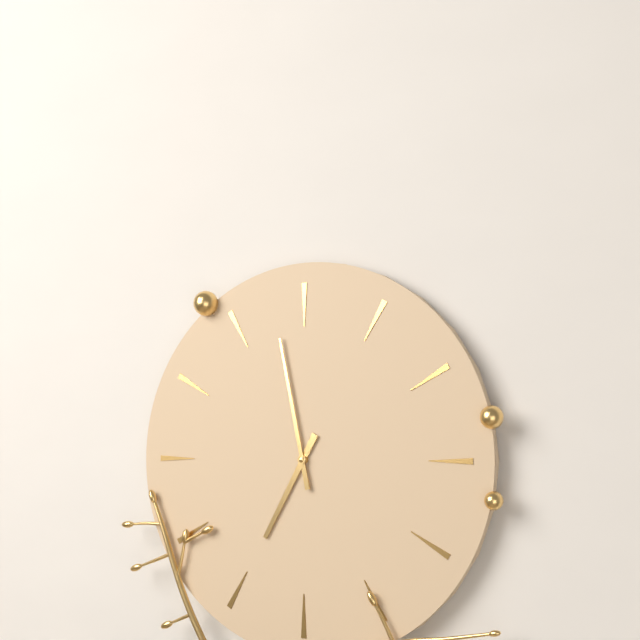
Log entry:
h=6 m=58
